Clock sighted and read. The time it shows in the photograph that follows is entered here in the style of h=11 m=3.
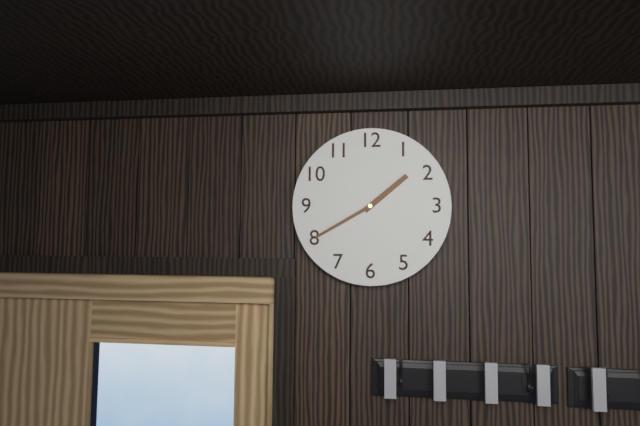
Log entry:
h=1 m=40
